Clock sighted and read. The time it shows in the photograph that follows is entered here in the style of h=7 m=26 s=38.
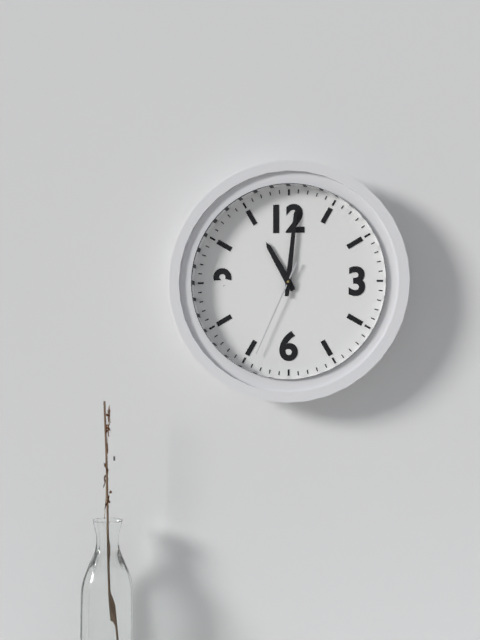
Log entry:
h=11 m=1 s=34
